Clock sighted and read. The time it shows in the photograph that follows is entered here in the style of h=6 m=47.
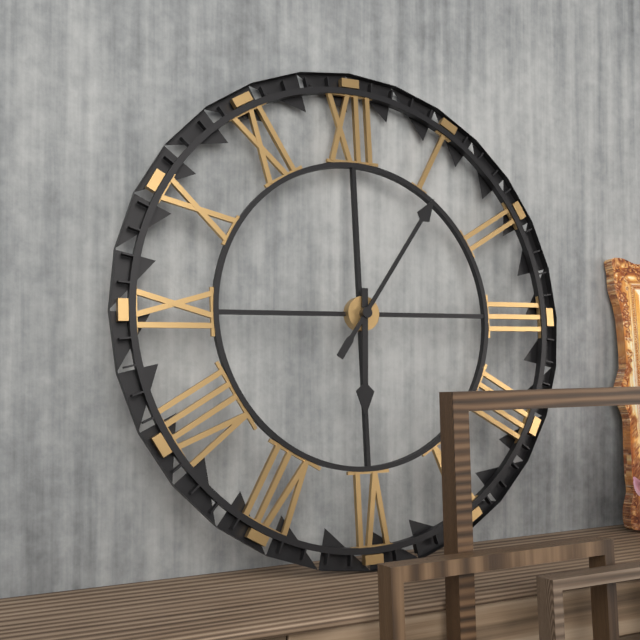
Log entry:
h=6 m=6
